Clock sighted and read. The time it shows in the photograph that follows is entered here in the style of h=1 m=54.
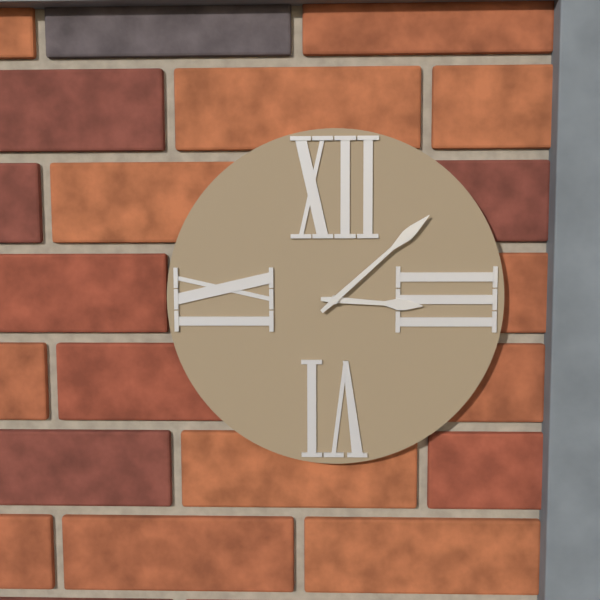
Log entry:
h=3 m=8
